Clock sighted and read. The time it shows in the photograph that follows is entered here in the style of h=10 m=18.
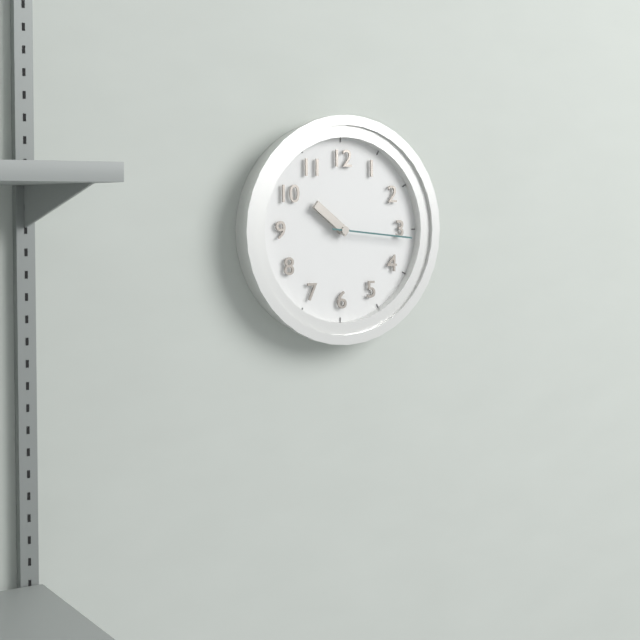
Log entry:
h=10 m=16
